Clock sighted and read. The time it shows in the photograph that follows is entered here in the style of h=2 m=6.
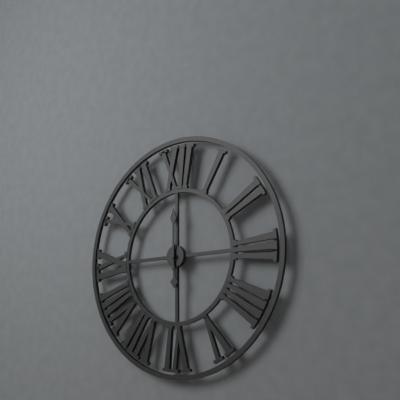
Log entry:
h=6 m=0
